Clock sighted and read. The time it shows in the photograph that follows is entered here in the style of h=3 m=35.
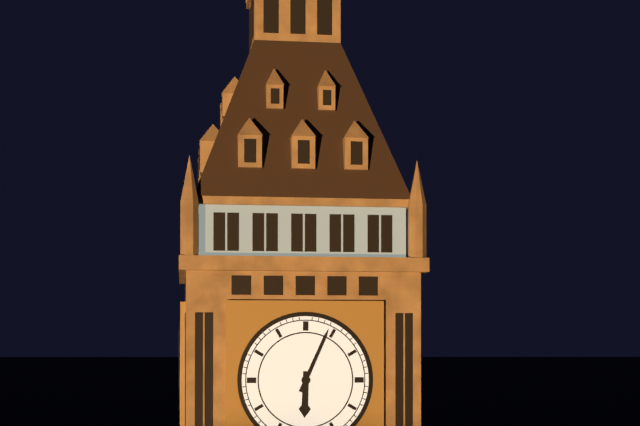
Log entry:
h=6 m=4
